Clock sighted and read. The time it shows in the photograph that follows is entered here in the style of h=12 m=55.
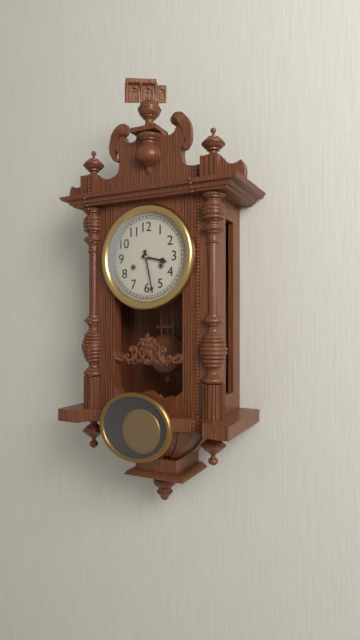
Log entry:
h=3 m=28
